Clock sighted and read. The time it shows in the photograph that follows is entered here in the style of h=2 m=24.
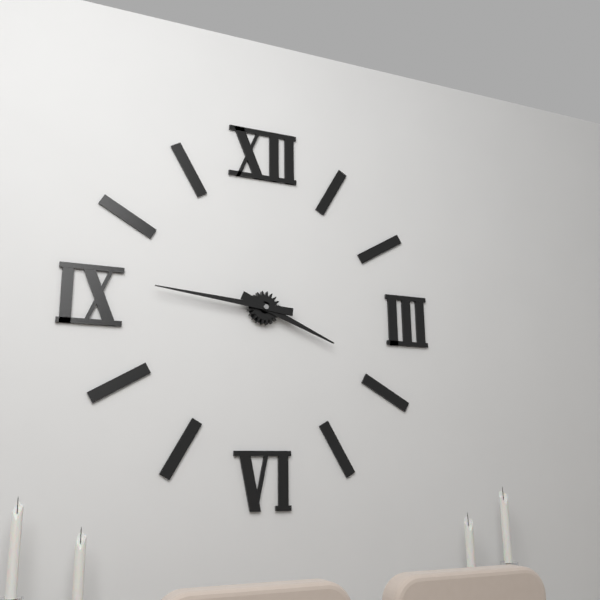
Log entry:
h=3 m=46
